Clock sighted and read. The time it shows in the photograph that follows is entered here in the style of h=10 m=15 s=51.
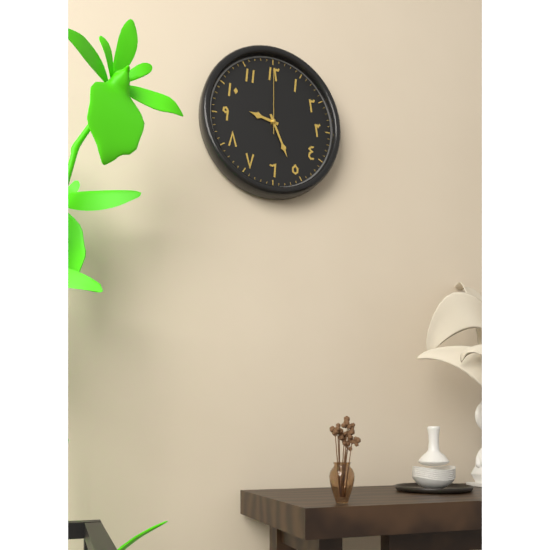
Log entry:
h=9 m=26 s=0
